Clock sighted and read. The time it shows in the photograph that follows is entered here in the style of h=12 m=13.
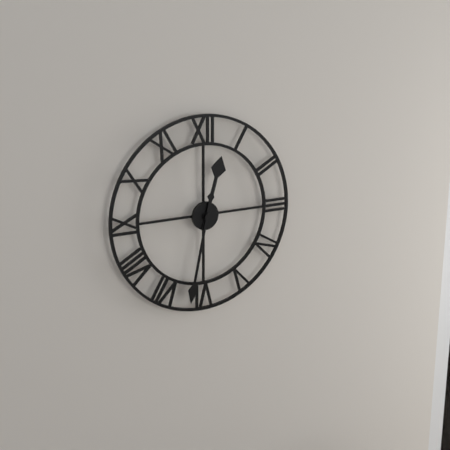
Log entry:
h=12 m=32
